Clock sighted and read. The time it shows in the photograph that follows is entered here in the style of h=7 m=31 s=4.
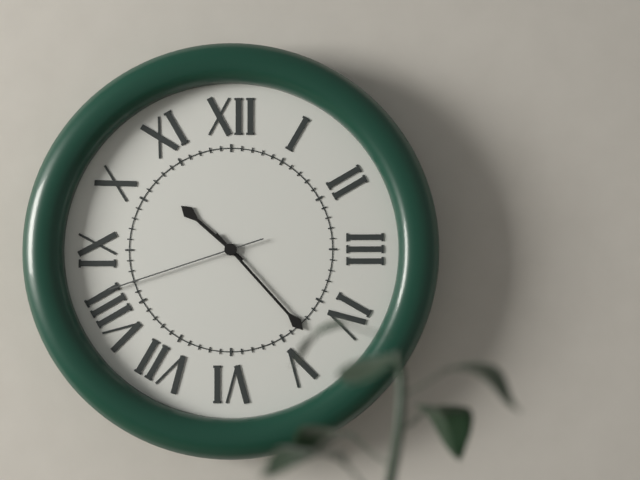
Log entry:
h=10 m=23 s=42
